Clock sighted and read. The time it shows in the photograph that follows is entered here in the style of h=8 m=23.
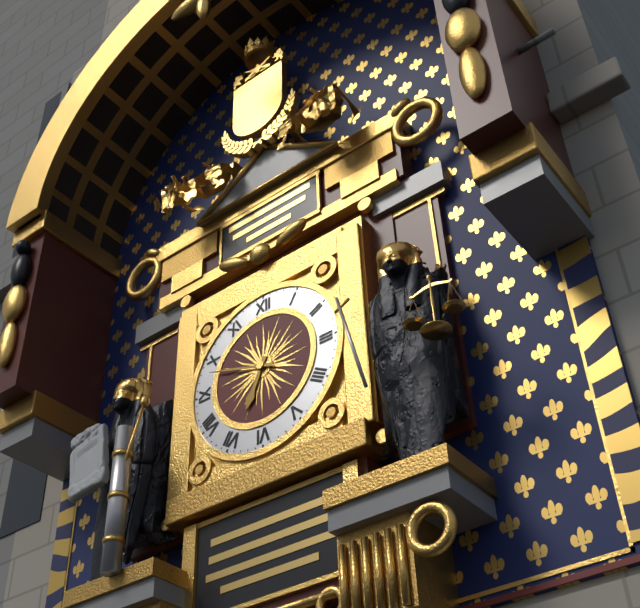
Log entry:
h=6 m=48
